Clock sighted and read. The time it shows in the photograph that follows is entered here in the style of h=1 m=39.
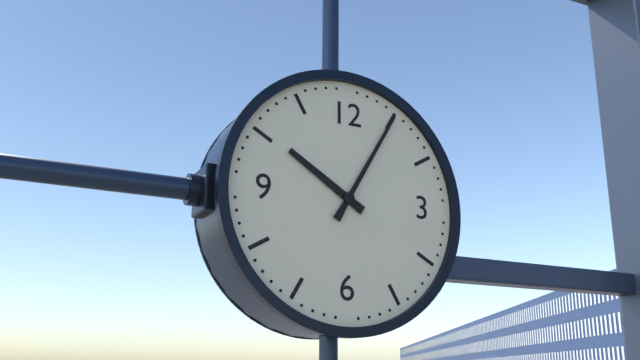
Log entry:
h=10 m=5
